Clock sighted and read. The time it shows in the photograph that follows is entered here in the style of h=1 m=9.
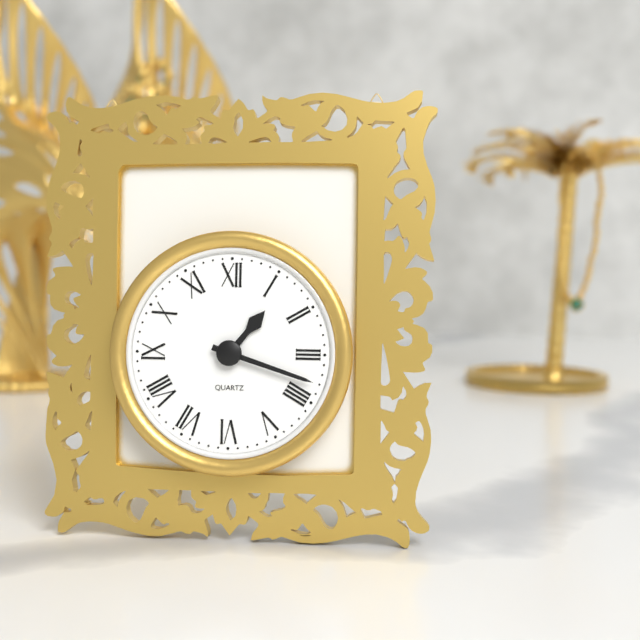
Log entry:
h=1 m=18
